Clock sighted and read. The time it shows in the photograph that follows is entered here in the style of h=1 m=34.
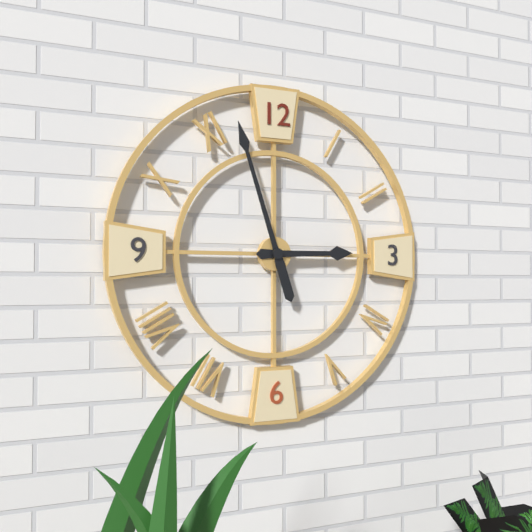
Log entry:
h=2 m=57
